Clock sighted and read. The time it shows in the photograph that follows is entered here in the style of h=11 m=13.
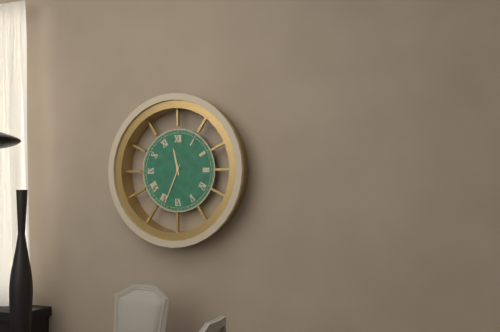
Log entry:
h=11 m=34
